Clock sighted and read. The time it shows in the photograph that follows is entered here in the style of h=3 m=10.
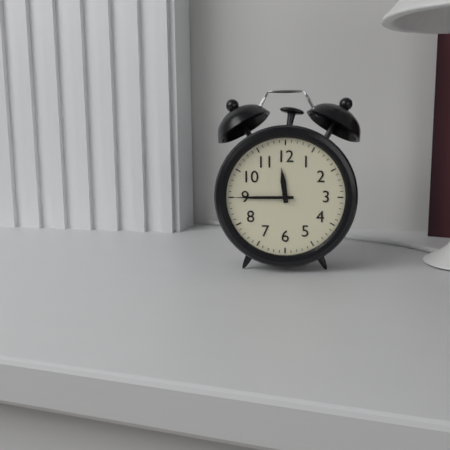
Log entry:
h=11 m=45
